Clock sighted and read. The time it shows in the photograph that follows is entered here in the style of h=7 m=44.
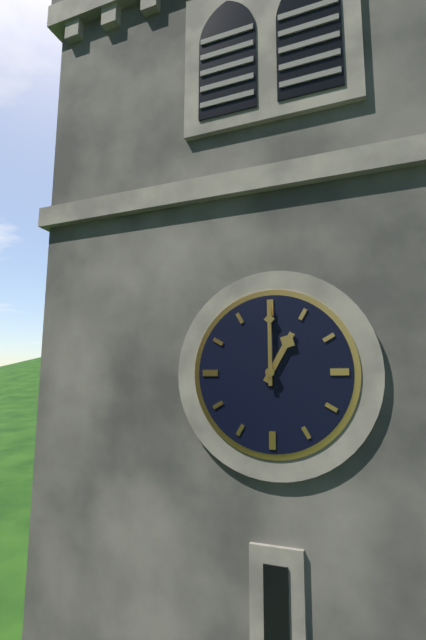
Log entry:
h=1 m=0
